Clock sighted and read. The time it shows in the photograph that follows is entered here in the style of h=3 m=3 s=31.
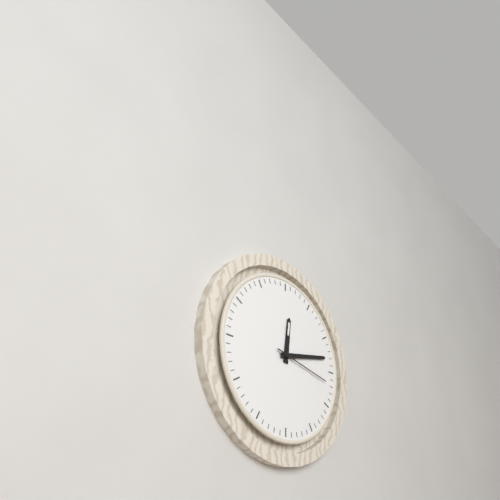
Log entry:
h=12 m=13 s=17
